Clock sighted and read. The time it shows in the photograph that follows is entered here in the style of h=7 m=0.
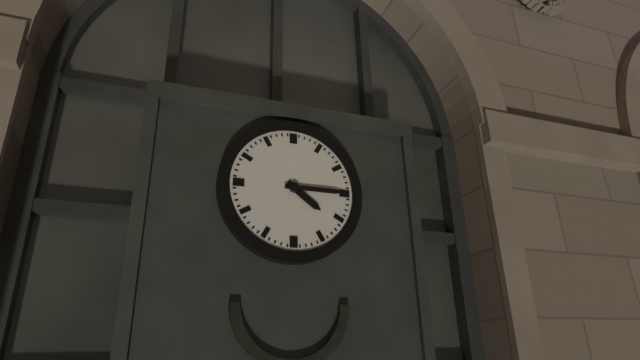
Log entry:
h=4 m=15
